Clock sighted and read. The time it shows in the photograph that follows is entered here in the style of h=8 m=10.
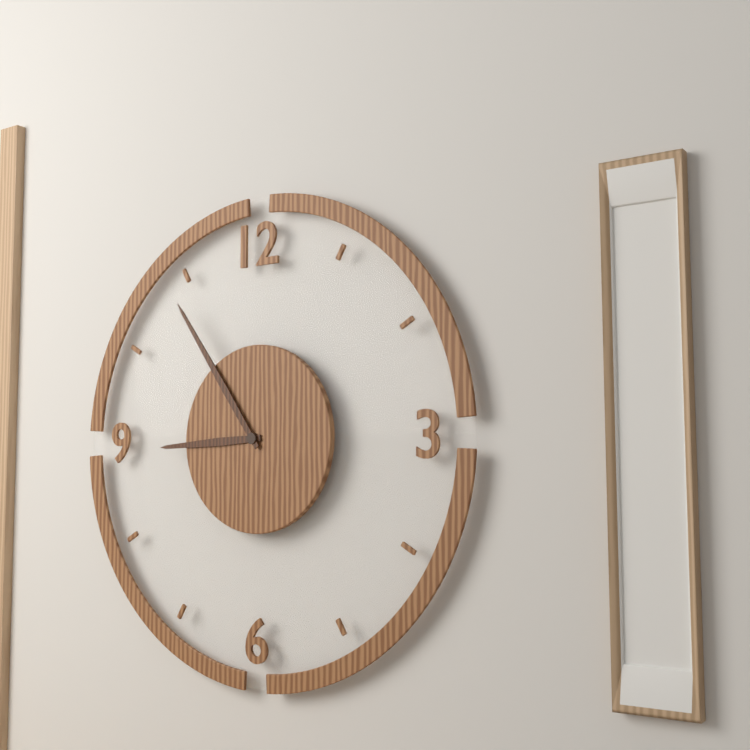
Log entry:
h=8 m=54
